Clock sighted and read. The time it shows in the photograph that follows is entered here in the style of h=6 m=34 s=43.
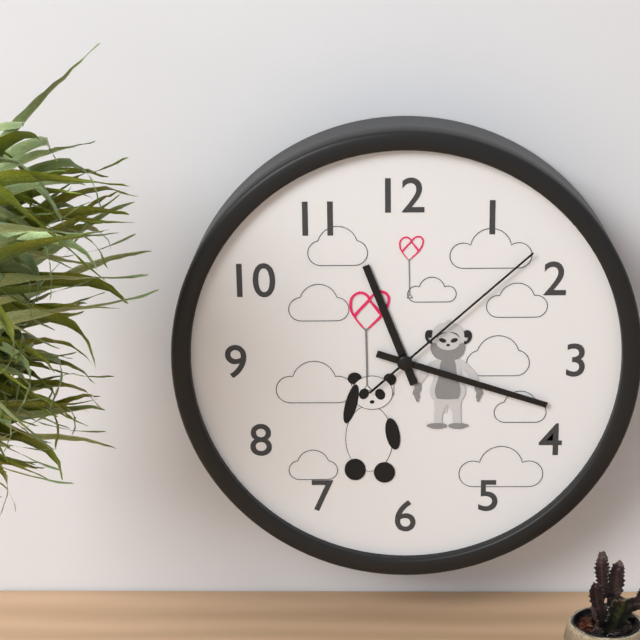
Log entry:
h=11 m=18 s=8
